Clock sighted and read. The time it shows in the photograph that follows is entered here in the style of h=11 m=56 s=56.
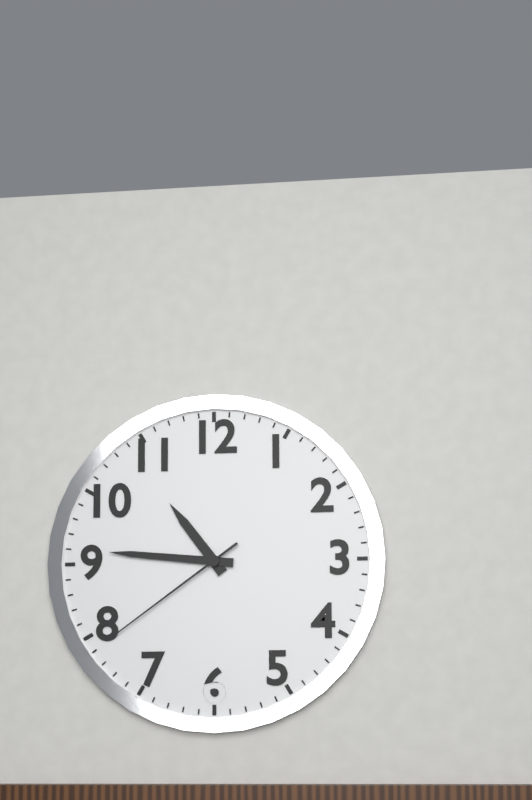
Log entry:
h=10 m=46 s=39
